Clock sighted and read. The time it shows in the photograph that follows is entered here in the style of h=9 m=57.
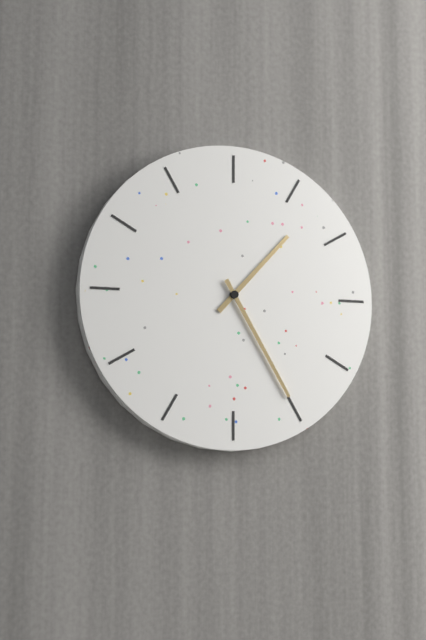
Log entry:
h=1 m=25
